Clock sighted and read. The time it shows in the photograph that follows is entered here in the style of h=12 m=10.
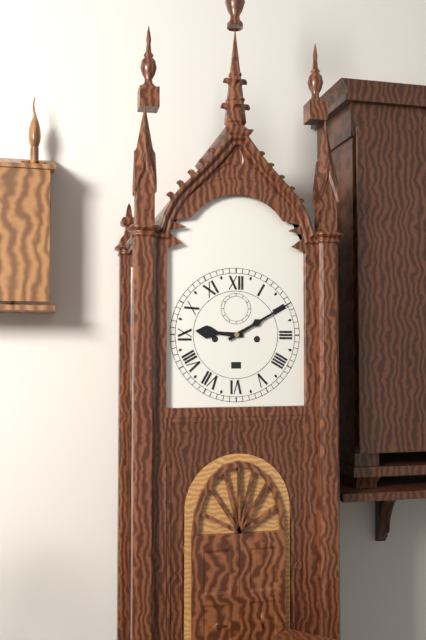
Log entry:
h=9 m=10
